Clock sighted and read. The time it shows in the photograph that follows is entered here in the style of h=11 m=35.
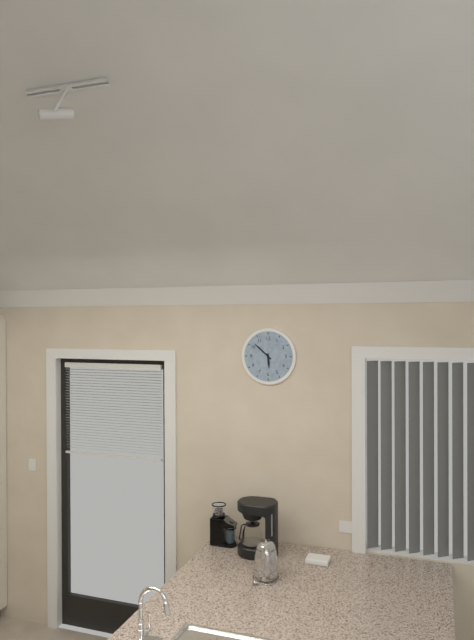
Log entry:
h=5 m=52
